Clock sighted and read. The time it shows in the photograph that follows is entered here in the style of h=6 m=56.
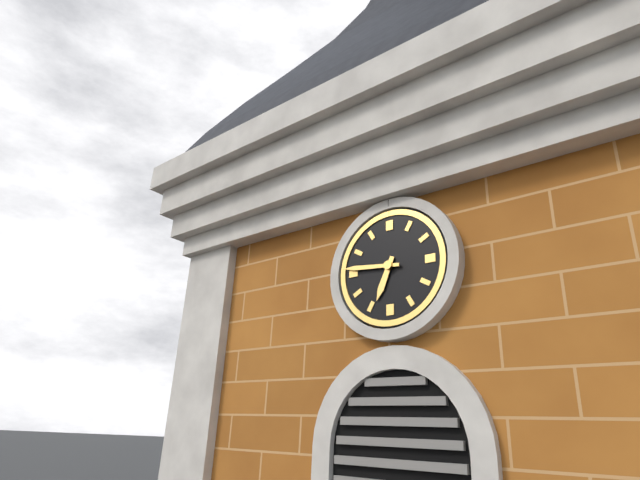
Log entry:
h=6 m=46
